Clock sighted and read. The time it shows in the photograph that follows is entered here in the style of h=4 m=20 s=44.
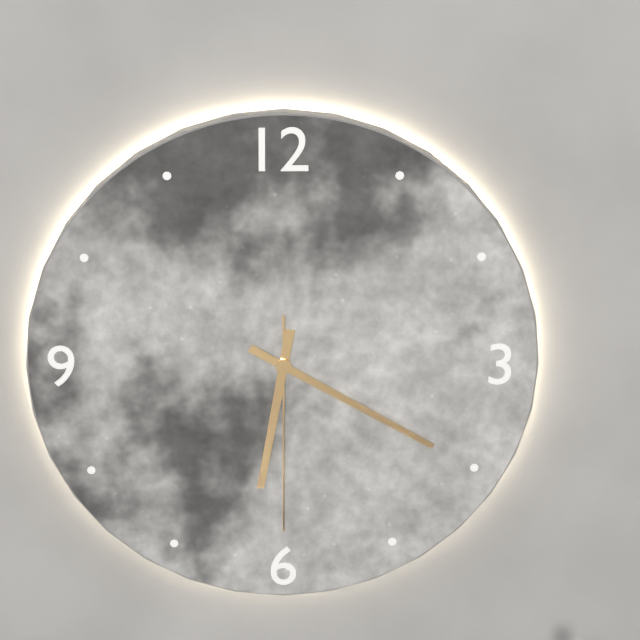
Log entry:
h=6 m=20 s=30
